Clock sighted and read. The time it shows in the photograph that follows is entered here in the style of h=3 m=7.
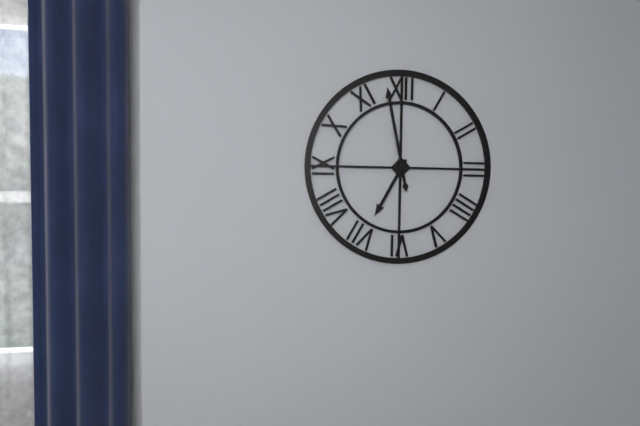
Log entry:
h=6 m=58
